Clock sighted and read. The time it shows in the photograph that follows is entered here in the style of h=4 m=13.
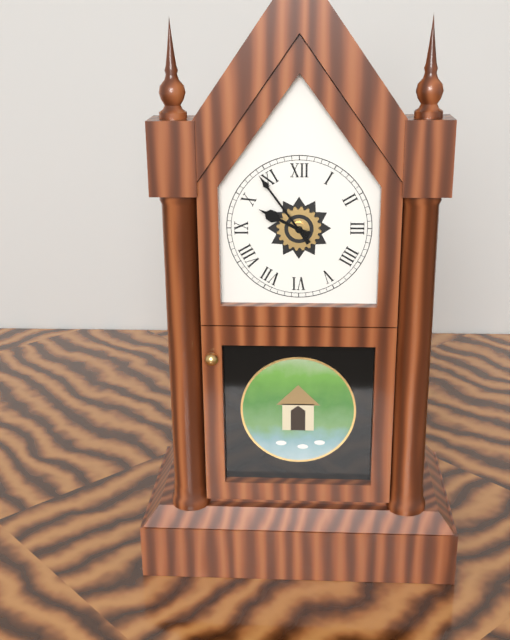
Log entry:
h=9 m=54
